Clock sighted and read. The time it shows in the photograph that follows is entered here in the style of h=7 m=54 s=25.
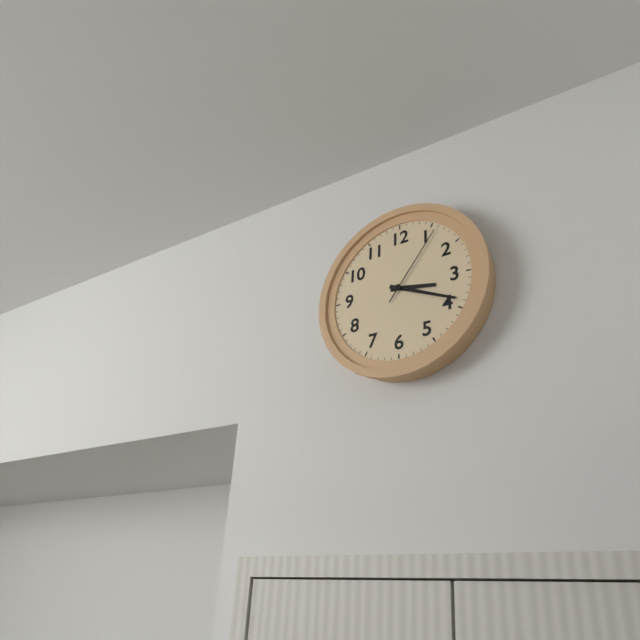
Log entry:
h=3 m=19 s=6
